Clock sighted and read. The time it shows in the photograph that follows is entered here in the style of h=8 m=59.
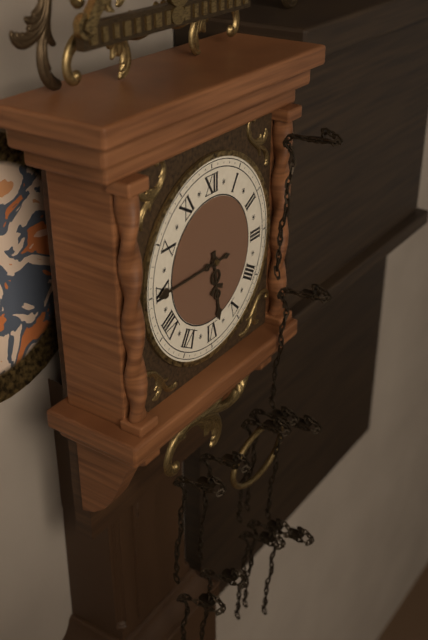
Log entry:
h=5 m=45
